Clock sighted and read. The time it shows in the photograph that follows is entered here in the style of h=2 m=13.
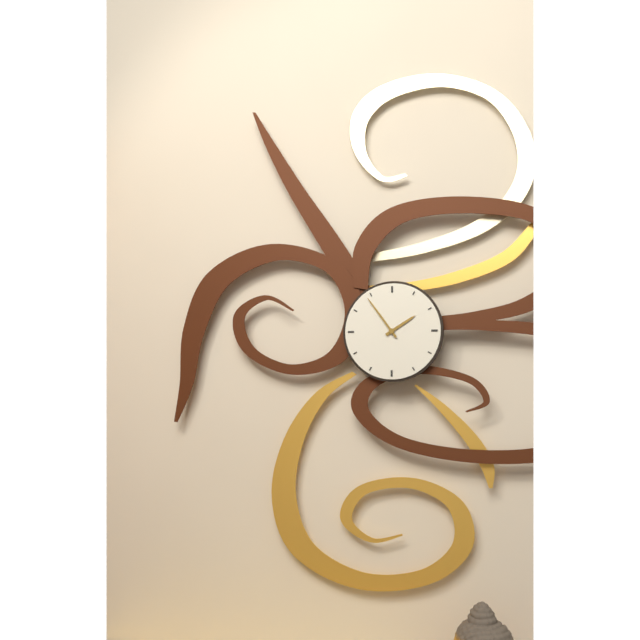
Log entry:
h=1 m=54
